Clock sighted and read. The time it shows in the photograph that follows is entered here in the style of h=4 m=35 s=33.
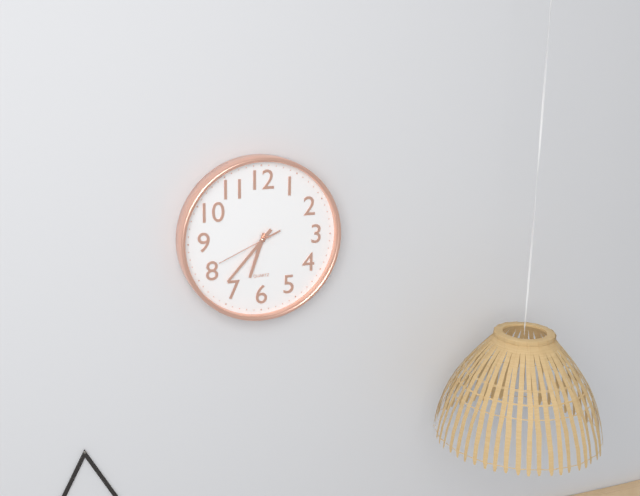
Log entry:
h=6 m=37 s=41
